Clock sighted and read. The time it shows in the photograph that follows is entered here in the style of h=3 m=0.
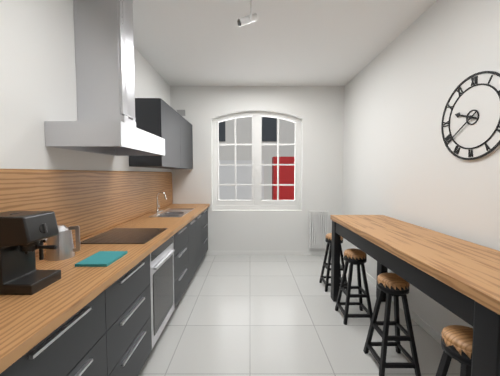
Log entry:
h=9 m=39
